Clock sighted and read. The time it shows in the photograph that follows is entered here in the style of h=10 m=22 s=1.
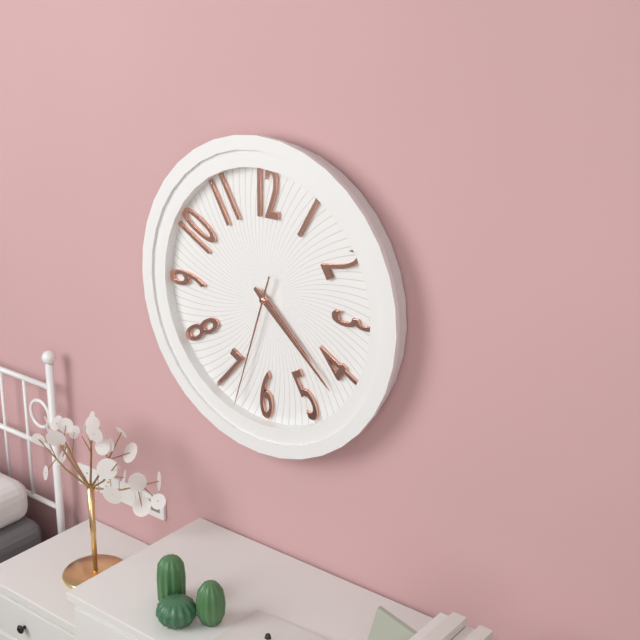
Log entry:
h=4 m=22 s=33
